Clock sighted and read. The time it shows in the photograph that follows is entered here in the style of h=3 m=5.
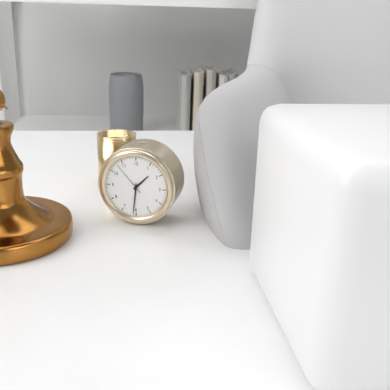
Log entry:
h=1 m=31
